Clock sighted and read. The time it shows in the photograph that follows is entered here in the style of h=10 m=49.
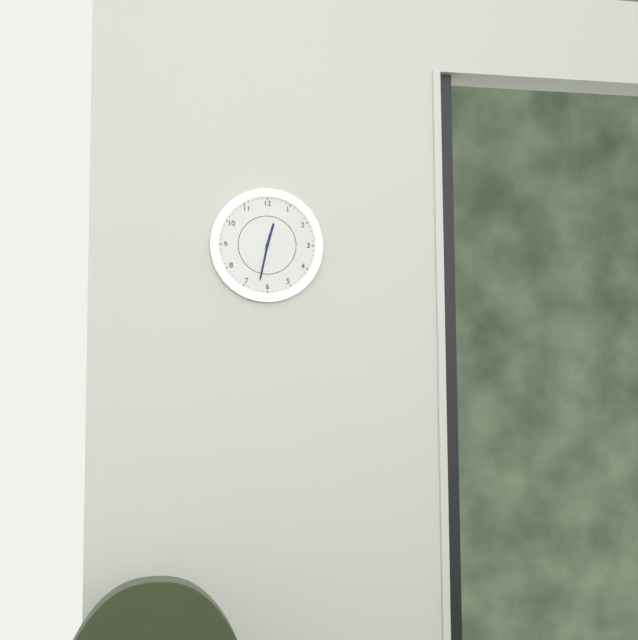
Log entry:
h=12 m=32
